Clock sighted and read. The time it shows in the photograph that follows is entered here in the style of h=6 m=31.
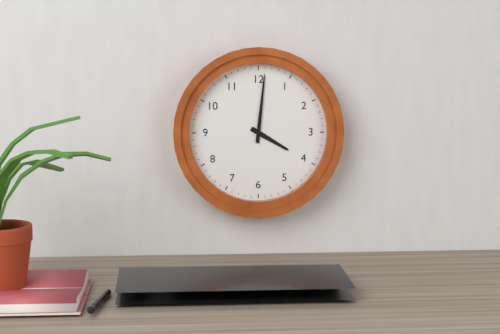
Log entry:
h=4 m=1
